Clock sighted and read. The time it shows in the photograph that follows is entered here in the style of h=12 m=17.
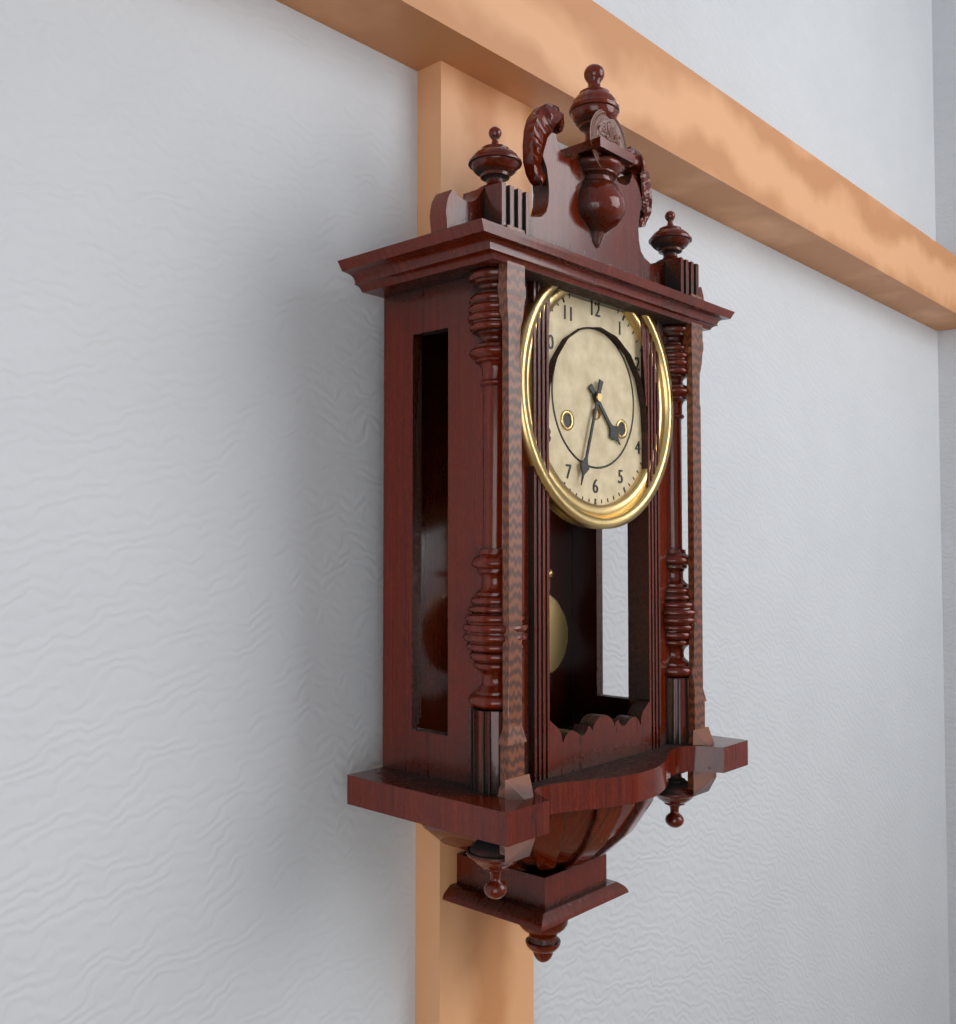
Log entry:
h=4 m=33
